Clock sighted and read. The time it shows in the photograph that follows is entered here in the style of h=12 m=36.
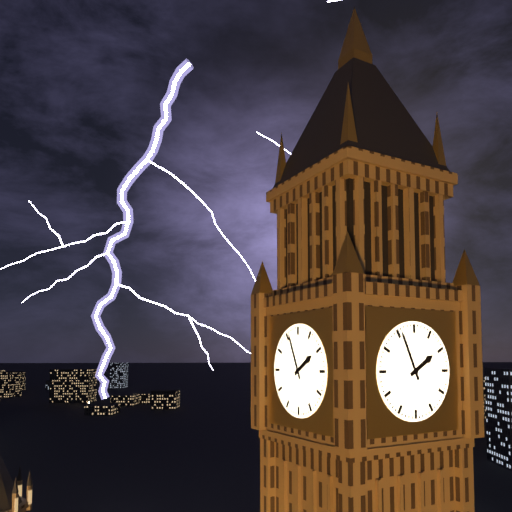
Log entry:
h=1 m=56
